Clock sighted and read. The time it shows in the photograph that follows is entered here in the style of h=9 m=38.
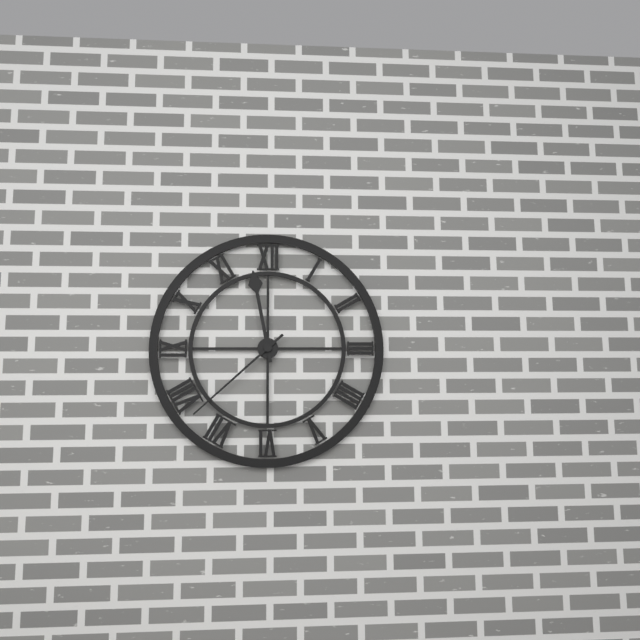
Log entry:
h=11 m=38
